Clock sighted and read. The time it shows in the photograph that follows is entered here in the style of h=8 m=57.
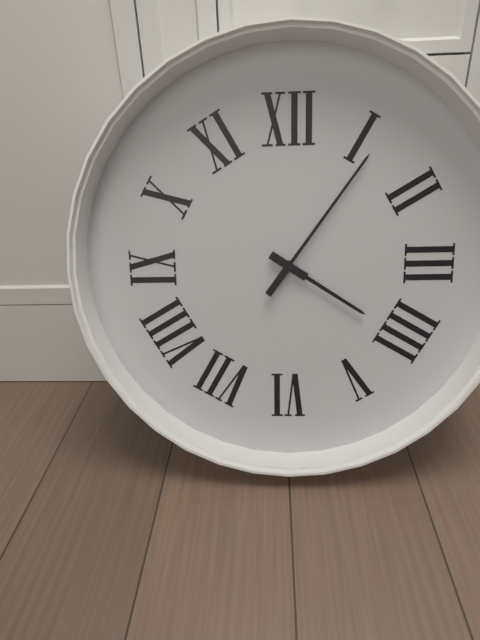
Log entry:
h=4 m=6
